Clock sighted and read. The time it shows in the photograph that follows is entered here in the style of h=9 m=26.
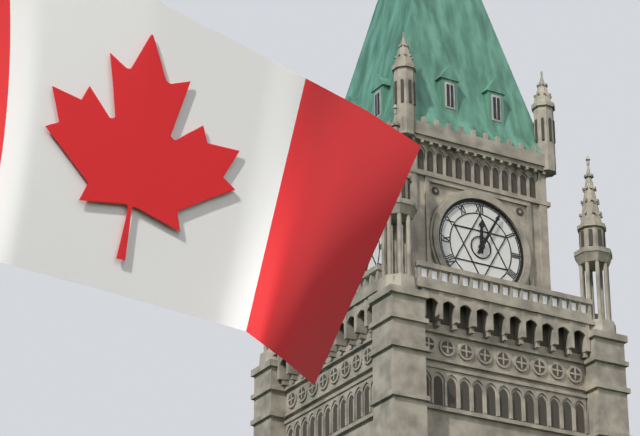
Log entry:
h=12 m=5
